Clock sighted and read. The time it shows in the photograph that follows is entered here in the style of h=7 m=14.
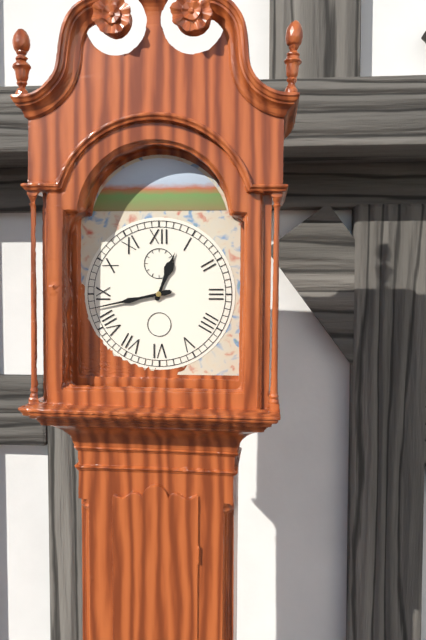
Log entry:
h=12 m=43
